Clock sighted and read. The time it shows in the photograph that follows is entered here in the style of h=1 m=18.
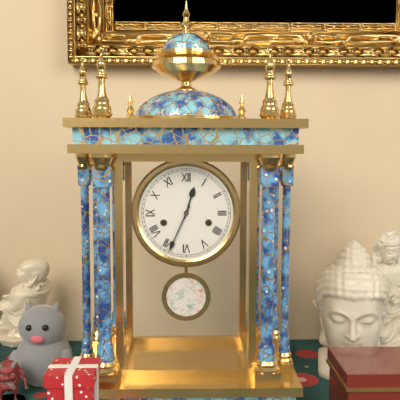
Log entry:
h=12 m=34
